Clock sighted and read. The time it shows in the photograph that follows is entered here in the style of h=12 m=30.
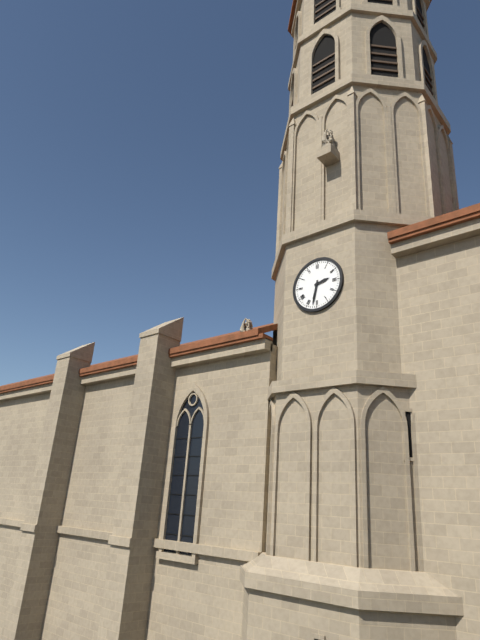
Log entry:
h=2 m=32
